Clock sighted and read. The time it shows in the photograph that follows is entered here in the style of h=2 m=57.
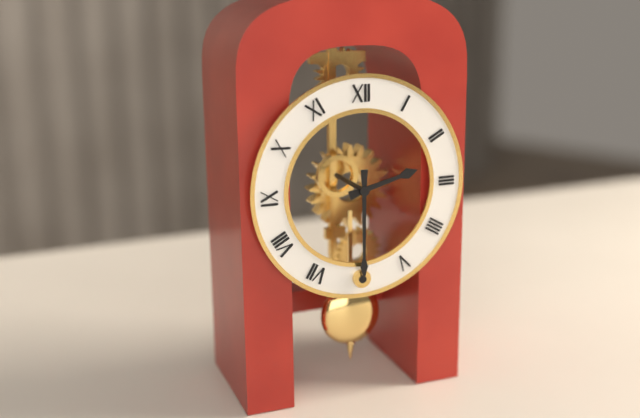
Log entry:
h=2 m=30
